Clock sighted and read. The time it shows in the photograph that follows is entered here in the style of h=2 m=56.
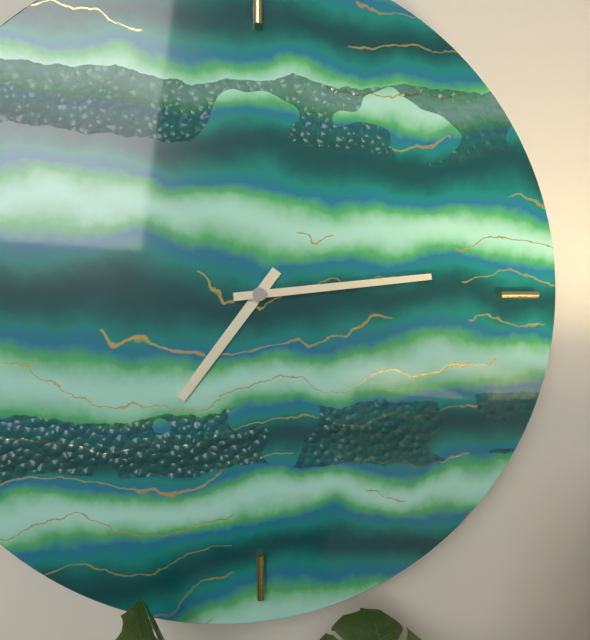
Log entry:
h=7 m=14
